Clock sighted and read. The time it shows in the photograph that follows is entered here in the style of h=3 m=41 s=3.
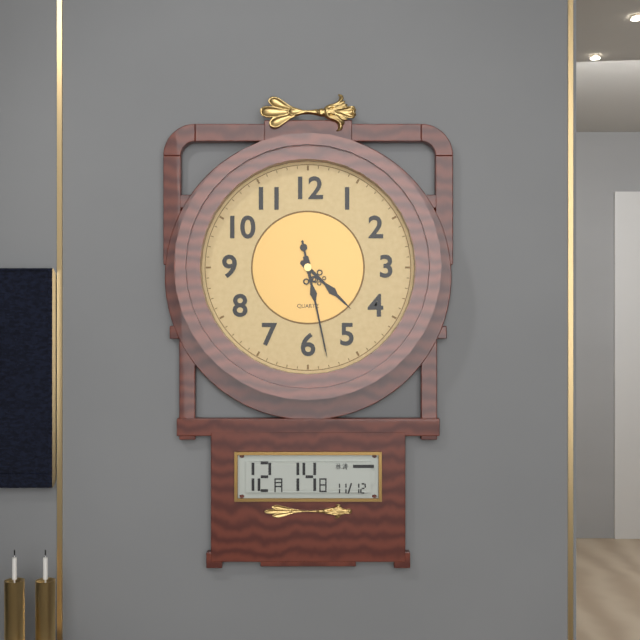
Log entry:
h=4 m=28 s=28
